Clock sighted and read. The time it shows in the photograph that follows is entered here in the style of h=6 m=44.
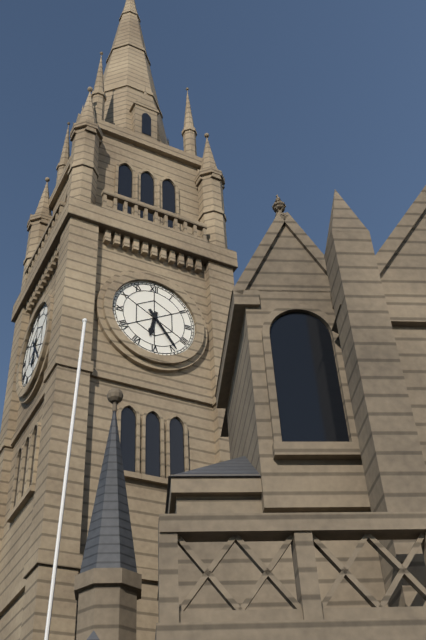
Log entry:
h=6 m=24
